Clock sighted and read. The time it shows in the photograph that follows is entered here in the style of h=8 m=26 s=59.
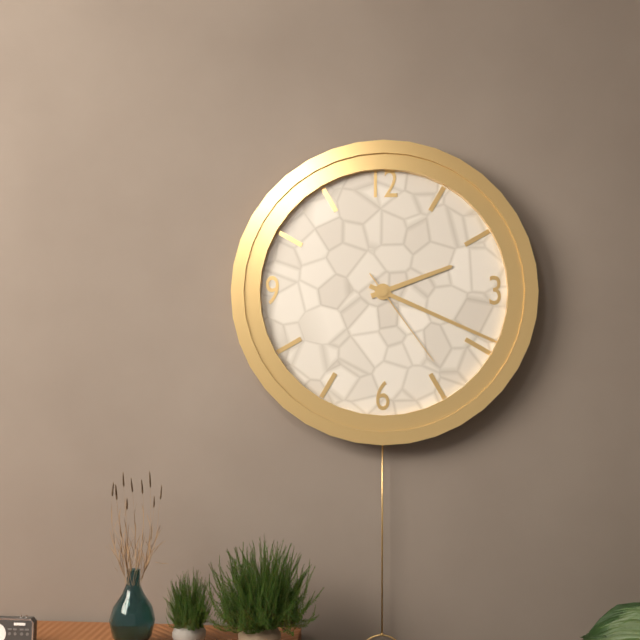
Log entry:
h=2 m=19 s=24
